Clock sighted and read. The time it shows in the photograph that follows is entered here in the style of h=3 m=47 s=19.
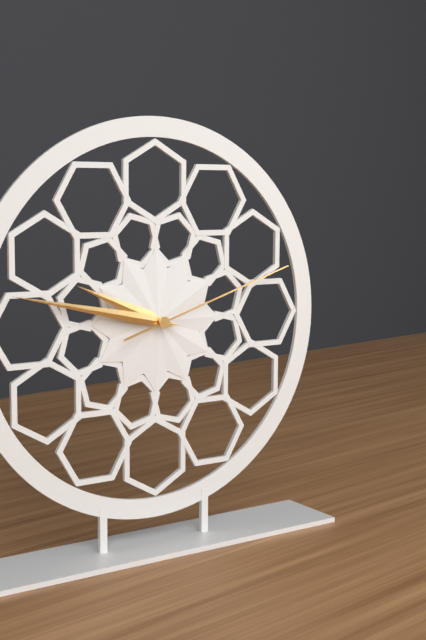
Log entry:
h=9 m=47 s=12
